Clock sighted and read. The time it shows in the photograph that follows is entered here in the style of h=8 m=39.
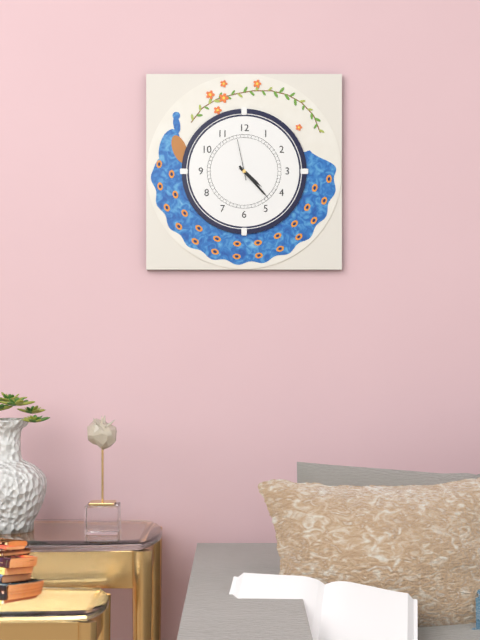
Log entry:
h=4 m=23
